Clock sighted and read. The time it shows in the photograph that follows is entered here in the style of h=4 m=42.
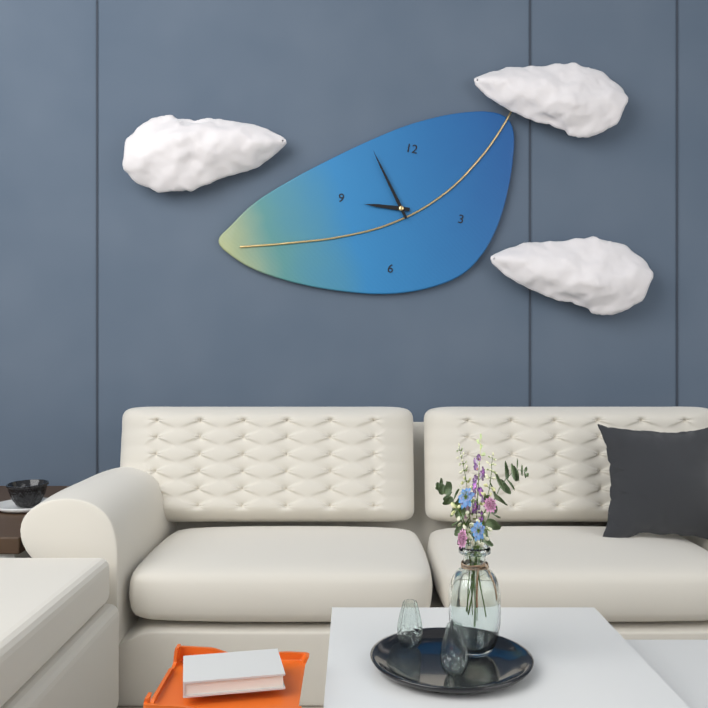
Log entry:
h=8 m=54
